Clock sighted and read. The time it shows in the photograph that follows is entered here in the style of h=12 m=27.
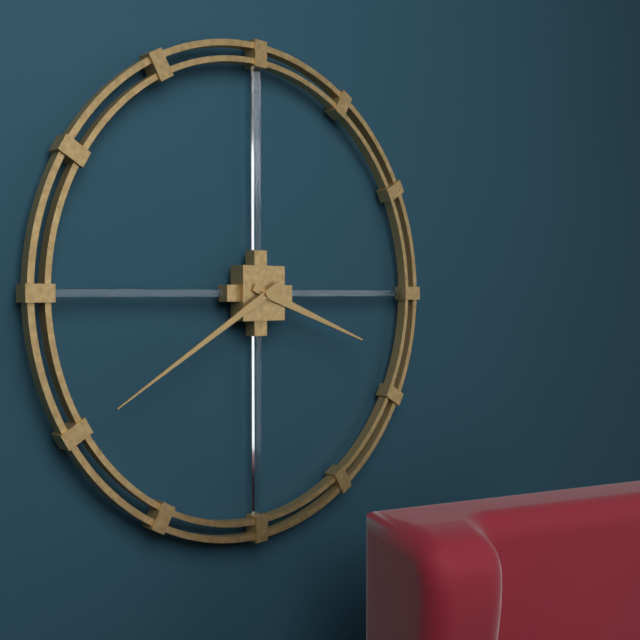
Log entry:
h=3 m=40
